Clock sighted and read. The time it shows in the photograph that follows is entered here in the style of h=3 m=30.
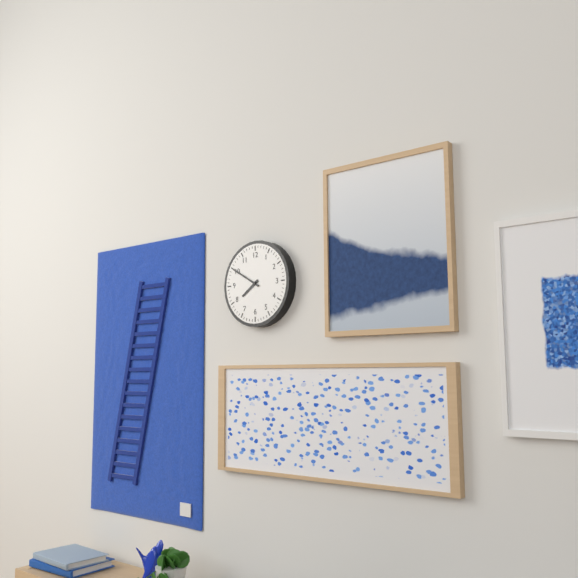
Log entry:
h=7 m=50
